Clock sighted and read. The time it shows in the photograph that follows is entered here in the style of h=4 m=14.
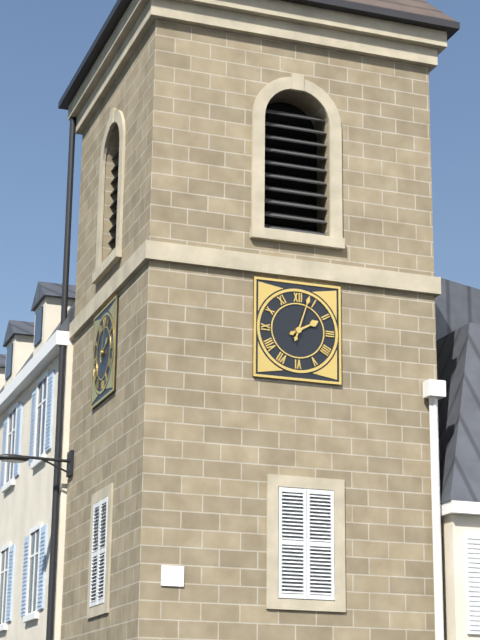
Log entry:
h=2 m=3
